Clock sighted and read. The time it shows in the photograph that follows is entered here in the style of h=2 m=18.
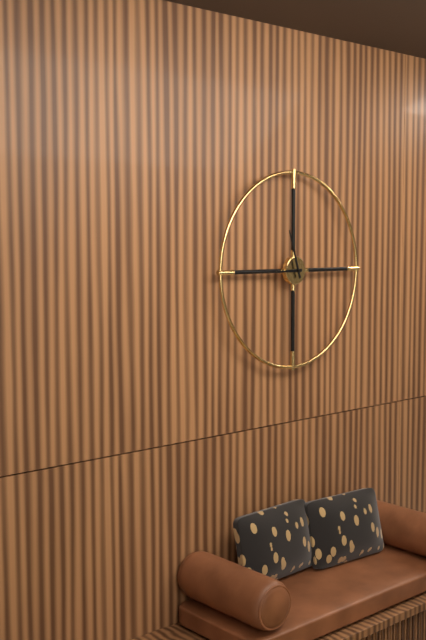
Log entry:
h=8 m=57
